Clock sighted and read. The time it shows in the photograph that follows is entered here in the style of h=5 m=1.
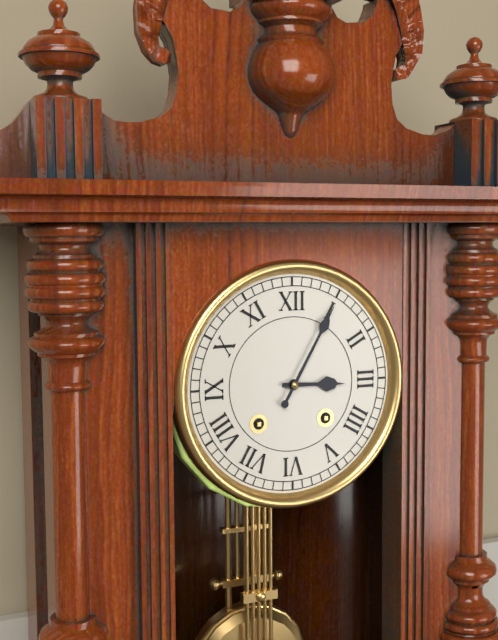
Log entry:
h=3 m=5
